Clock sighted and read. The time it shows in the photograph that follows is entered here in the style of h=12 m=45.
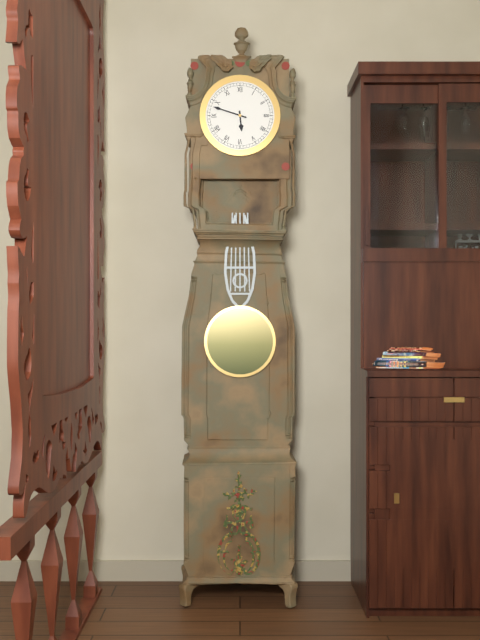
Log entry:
h=5 m=48
